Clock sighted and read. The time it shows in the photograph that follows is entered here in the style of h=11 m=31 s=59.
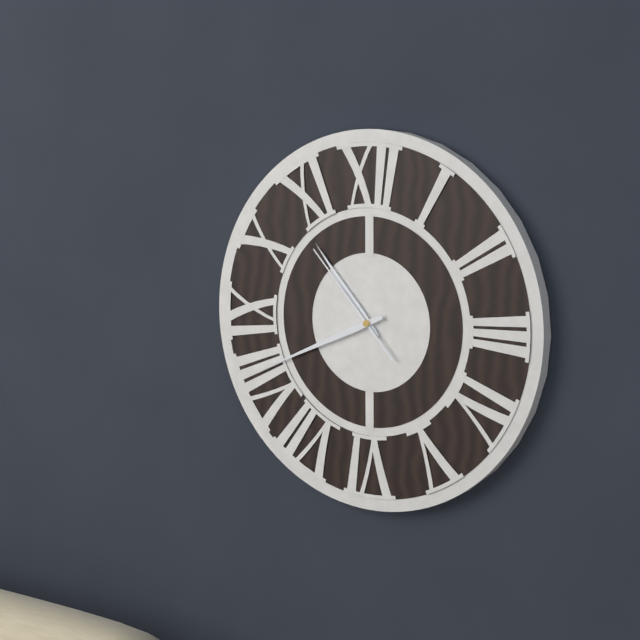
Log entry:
h=10 m=41 s=53
